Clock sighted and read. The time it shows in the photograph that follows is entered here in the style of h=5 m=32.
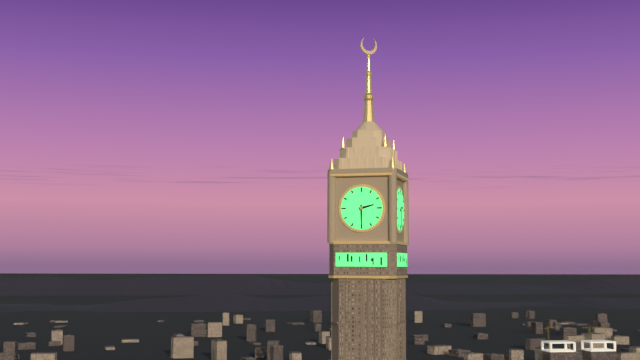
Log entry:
h=2 m=30
